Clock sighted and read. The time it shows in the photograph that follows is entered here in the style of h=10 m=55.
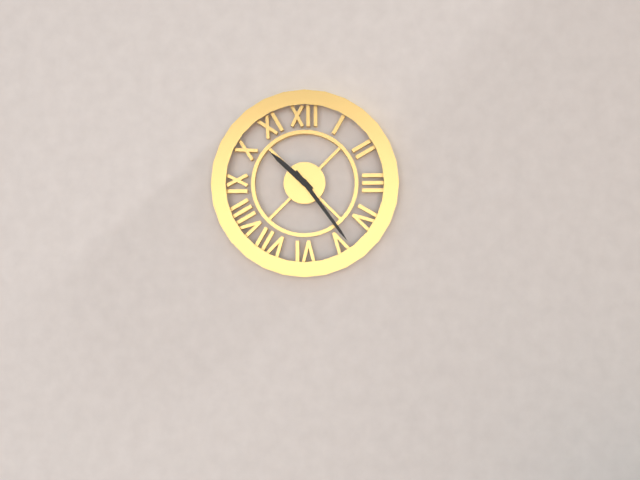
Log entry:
h=10 m=24
